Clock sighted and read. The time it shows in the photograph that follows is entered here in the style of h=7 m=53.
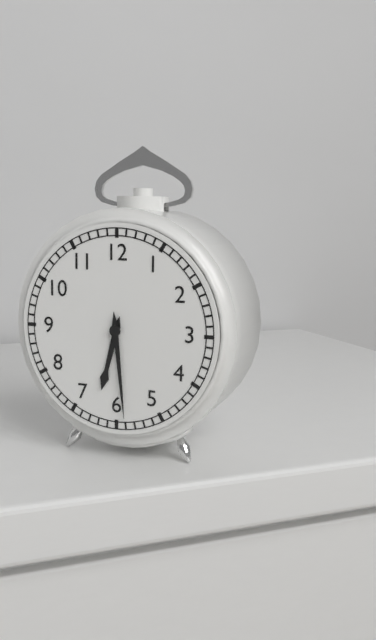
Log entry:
h=6 m=29
